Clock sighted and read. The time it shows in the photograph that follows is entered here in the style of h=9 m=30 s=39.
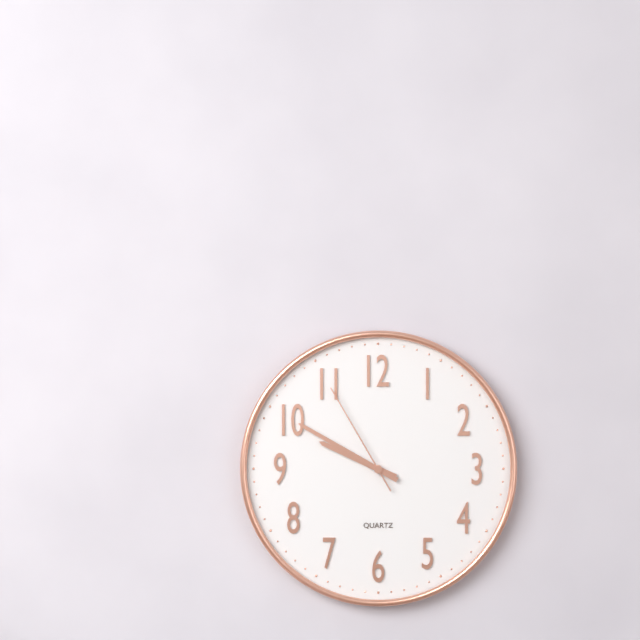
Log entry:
h=9 m=50 s=55
